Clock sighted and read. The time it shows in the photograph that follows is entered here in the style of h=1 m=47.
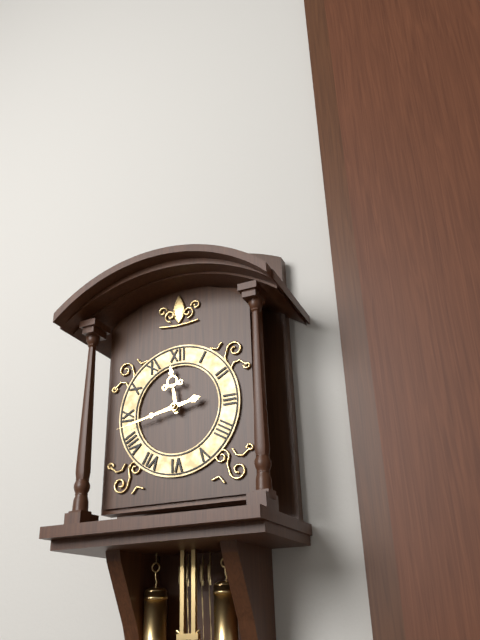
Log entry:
h=11 m=43
